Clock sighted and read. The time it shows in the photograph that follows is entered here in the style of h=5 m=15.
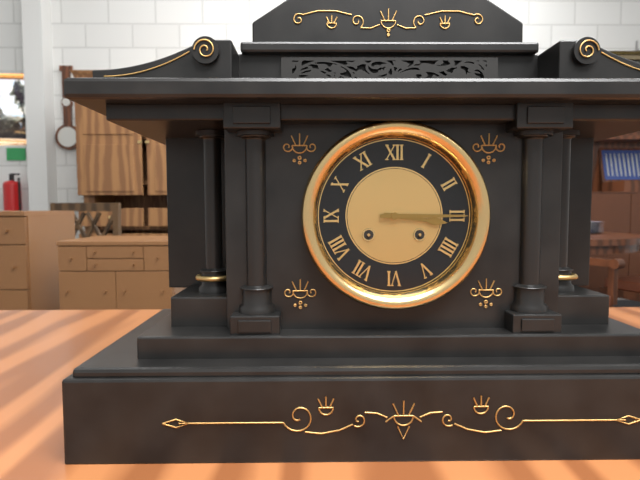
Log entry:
h=3 m=15
